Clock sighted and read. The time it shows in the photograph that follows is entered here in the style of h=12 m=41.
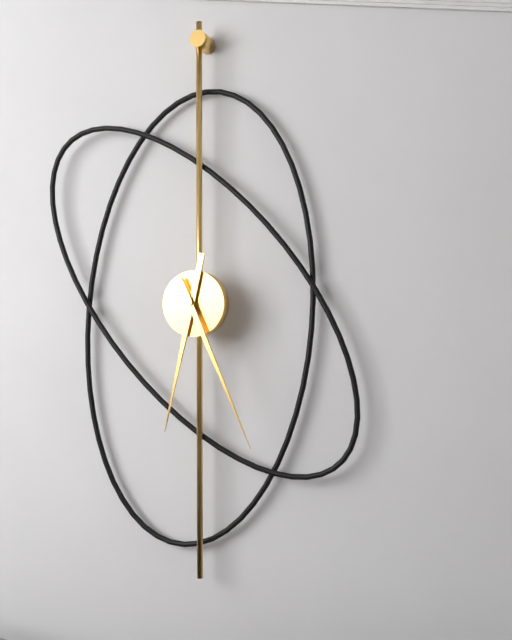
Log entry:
h=6 m=26
